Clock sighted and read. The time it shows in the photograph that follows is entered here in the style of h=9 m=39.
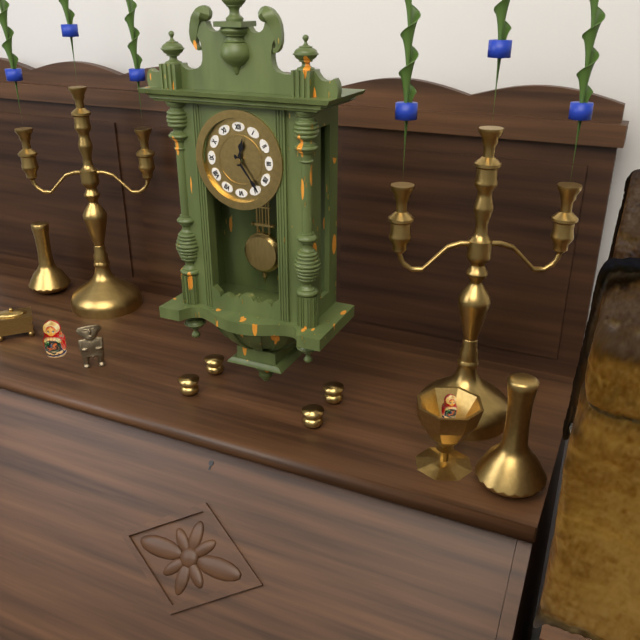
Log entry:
h=12 m=24
